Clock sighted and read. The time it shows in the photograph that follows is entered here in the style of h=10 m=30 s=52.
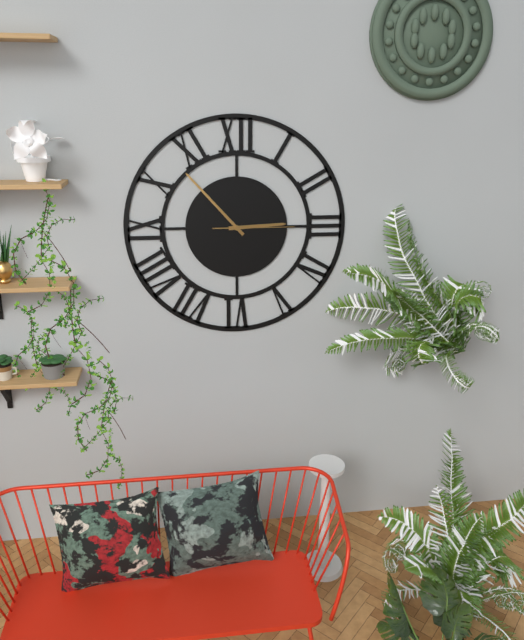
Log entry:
h=2 m=53 s=15
